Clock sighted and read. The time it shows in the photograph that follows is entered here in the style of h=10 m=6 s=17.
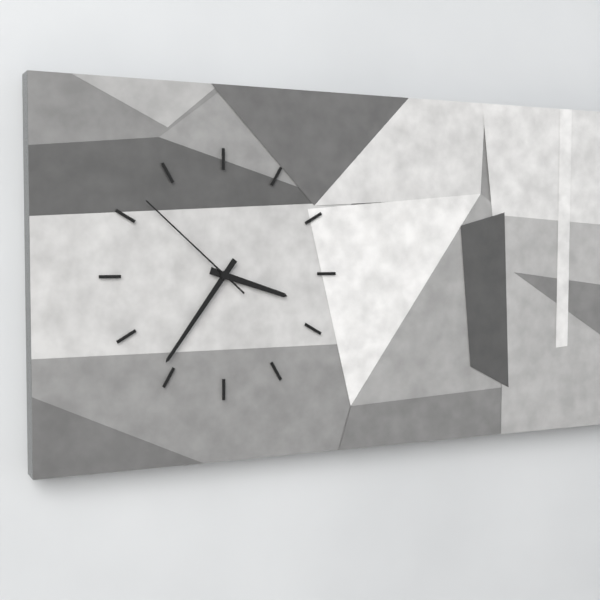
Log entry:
h=3 m=36 s=52
